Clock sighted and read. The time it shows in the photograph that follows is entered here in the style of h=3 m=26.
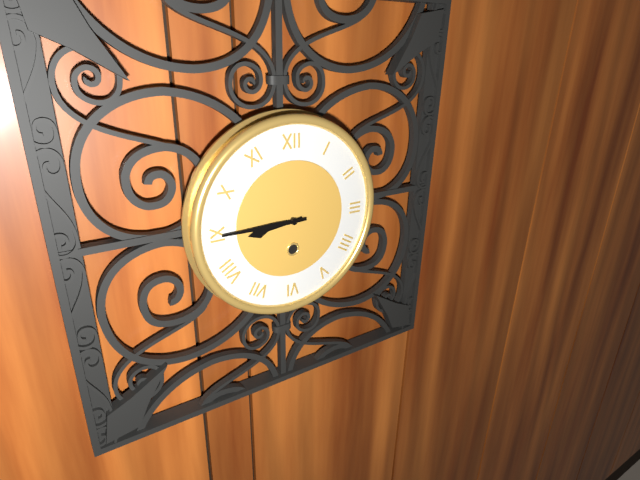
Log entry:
h=8 m=45
